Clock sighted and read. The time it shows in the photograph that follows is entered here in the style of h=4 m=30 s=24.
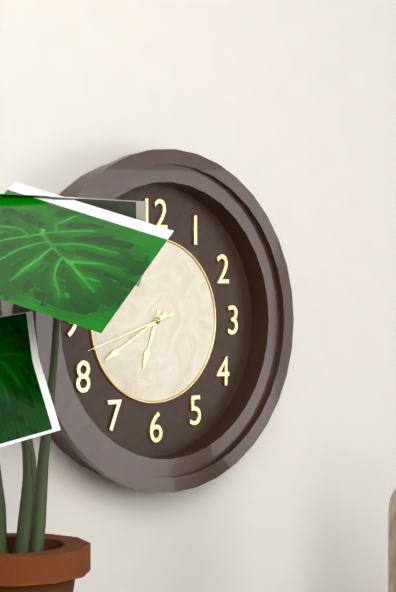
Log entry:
h=6 m=40 s=42
